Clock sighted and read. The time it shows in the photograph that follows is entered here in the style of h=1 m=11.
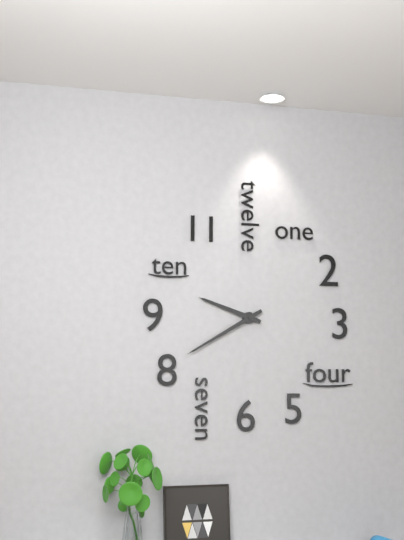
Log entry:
h=9 m=40
